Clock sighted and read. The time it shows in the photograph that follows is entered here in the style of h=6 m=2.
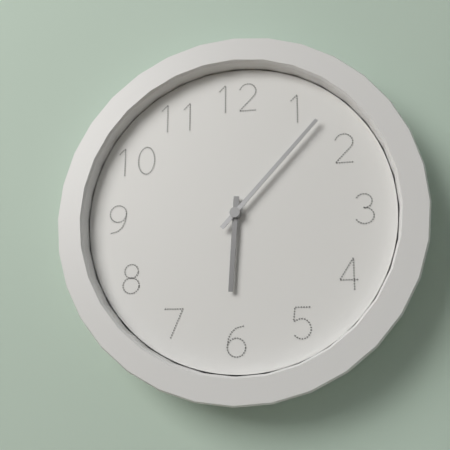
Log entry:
h=6 m=7
